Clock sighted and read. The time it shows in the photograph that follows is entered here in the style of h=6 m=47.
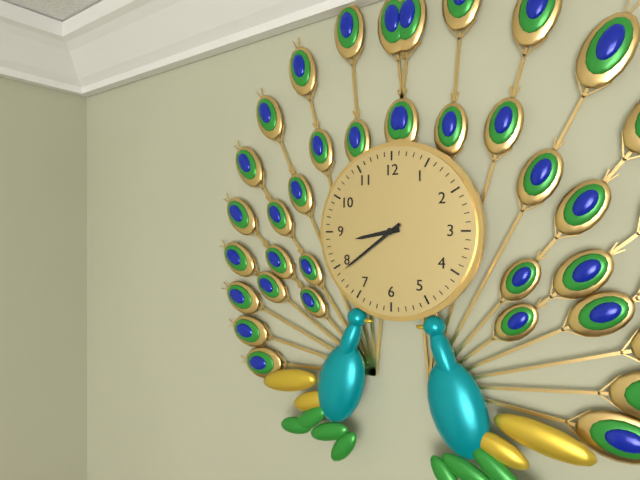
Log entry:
h=8 m=39
